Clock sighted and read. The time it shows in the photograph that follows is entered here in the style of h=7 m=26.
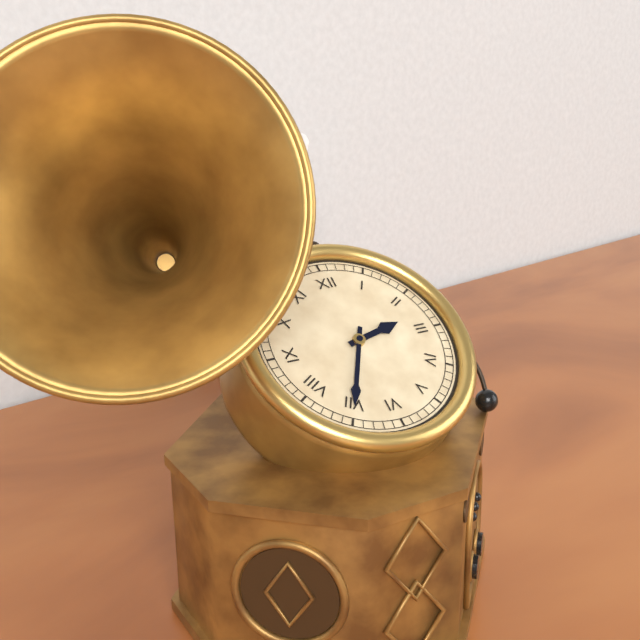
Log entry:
h=2 m=35
